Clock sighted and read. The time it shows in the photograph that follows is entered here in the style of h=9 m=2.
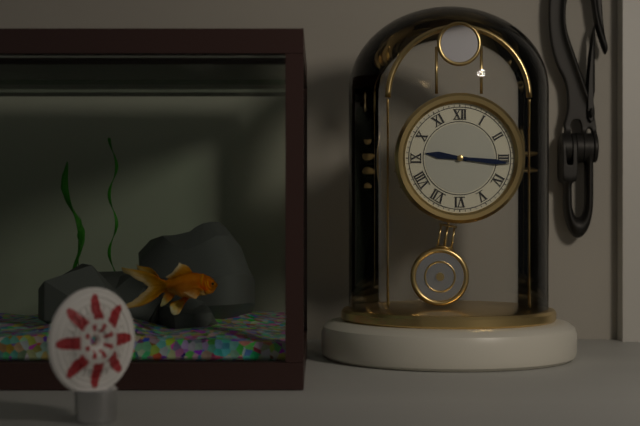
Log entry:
h=9 m=16
